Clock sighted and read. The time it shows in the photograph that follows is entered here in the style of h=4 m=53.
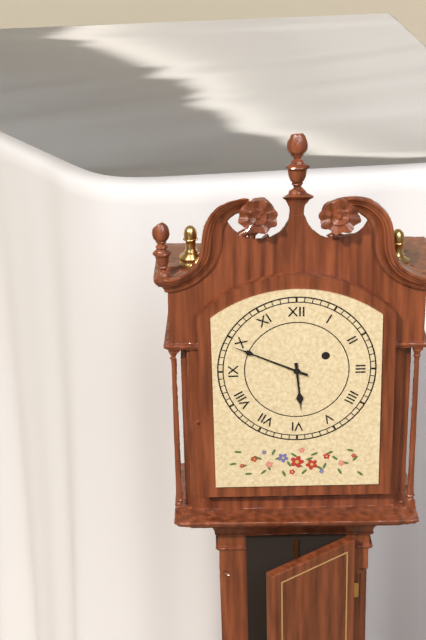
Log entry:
h=5 m=49
